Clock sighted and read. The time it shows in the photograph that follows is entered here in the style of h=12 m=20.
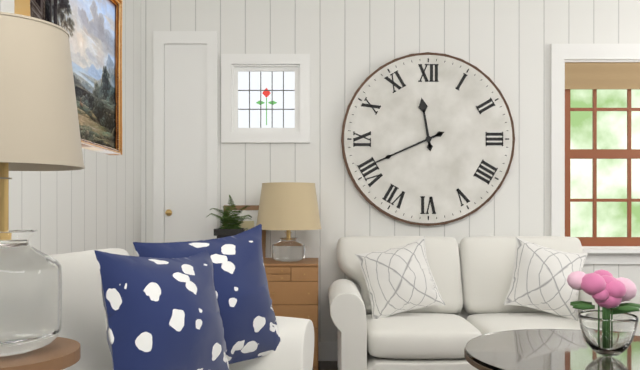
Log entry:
h=11 m=41
